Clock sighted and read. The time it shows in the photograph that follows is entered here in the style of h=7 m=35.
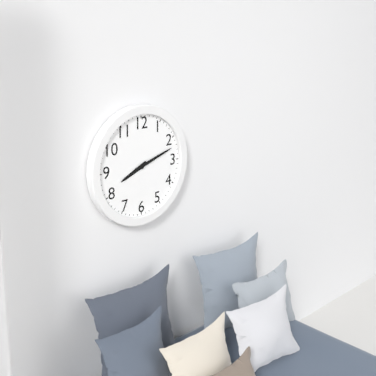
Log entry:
h=8 m=12
